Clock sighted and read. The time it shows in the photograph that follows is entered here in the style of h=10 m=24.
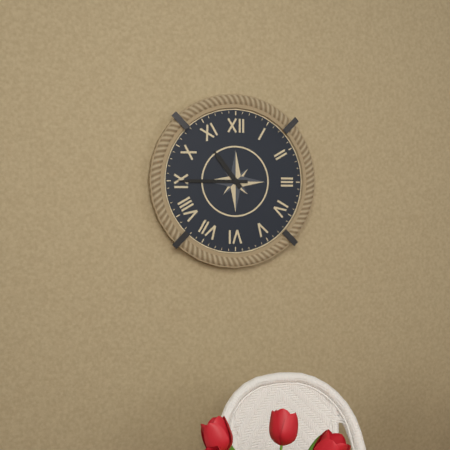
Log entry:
h=10 m=45
